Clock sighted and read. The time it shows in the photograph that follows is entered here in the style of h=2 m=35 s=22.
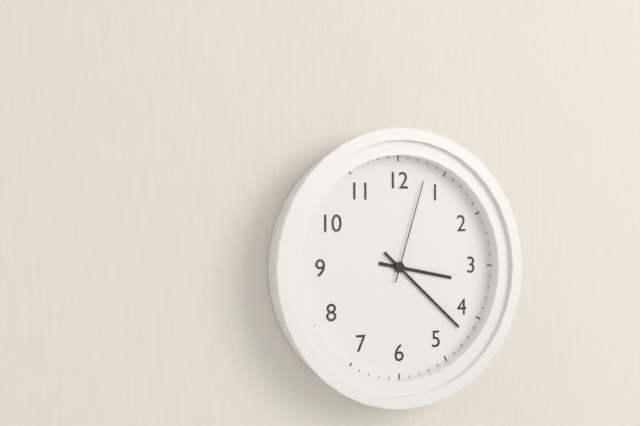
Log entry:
h=3 m=22 s=3
